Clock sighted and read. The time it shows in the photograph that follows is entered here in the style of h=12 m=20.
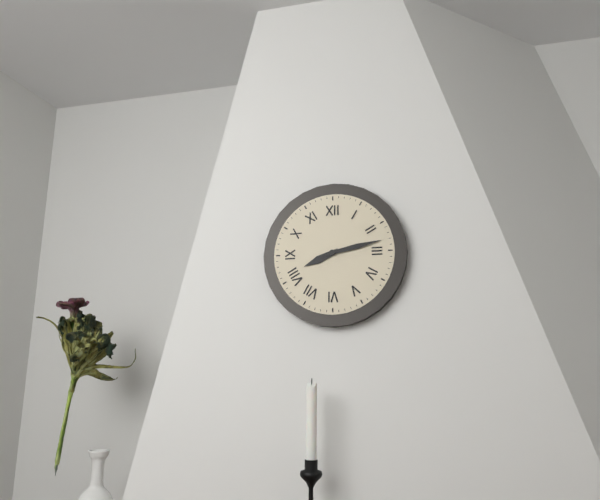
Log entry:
h=8 m=13
